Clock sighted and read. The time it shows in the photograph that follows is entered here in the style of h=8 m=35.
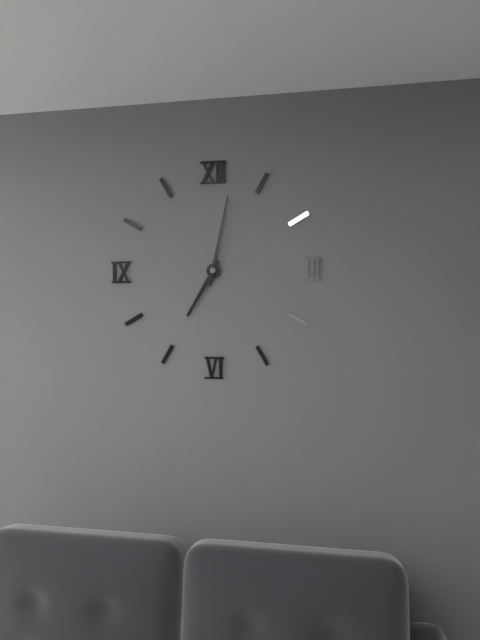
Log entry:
h=7 m=2
